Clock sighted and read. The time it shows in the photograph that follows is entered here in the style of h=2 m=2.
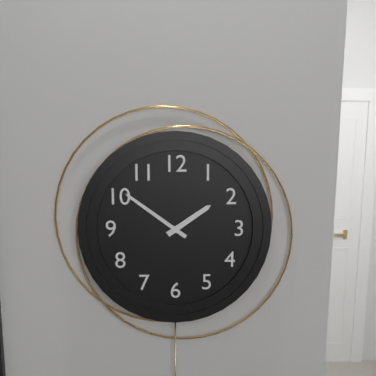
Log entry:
h=1 m=51
